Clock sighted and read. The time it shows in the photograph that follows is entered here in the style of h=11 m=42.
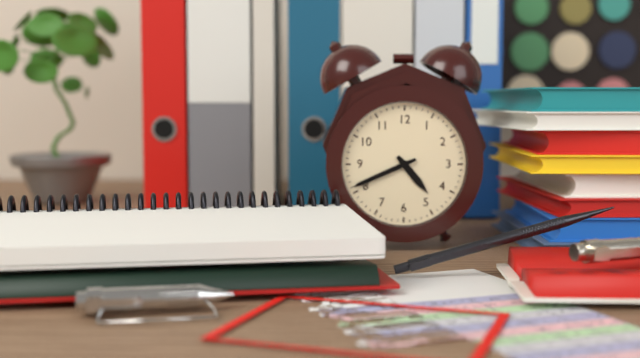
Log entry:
h=4 m=41
